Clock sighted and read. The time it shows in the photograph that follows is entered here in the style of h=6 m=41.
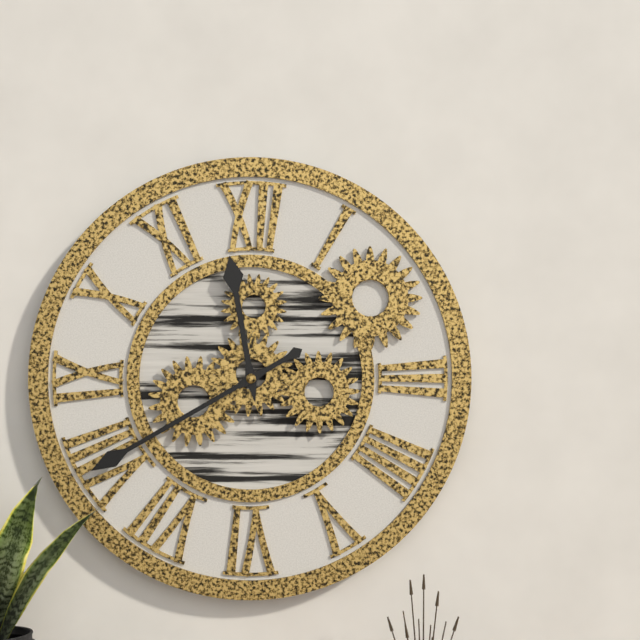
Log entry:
h=11 m=40
